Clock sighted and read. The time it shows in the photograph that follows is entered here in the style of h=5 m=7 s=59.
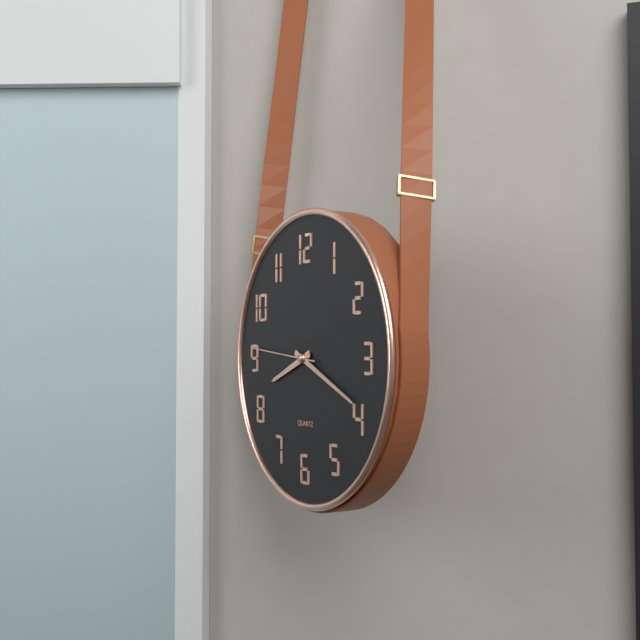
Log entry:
h=8 m=19 s=46
